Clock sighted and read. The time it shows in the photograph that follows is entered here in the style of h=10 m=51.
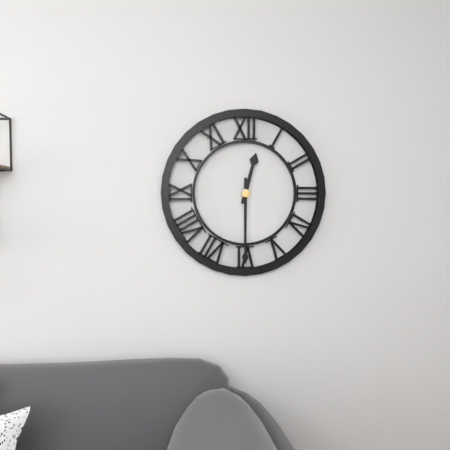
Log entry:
h=12 m=30
